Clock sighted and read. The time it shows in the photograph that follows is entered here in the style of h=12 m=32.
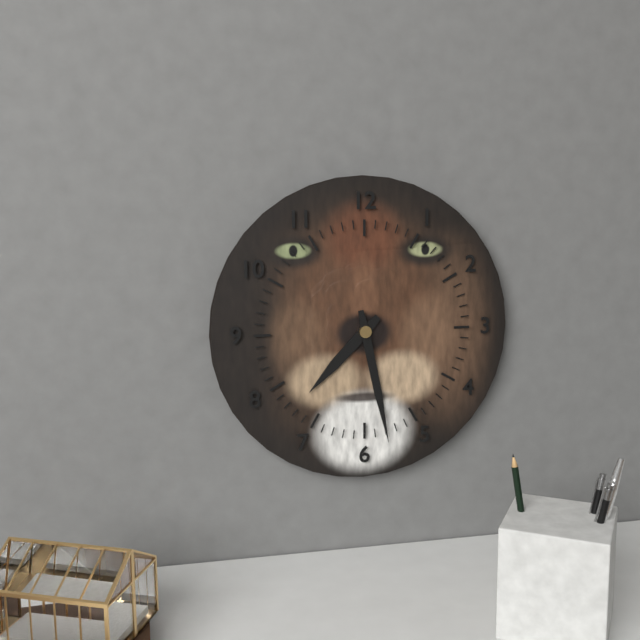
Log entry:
h=7 m=28
